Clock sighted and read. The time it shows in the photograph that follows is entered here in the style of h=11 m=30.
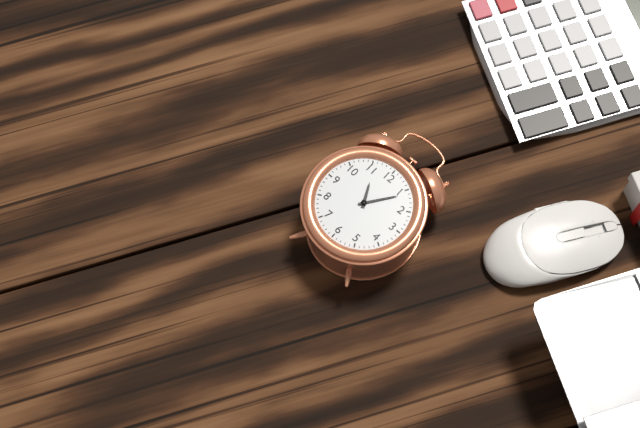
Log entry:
h=11 m=6
